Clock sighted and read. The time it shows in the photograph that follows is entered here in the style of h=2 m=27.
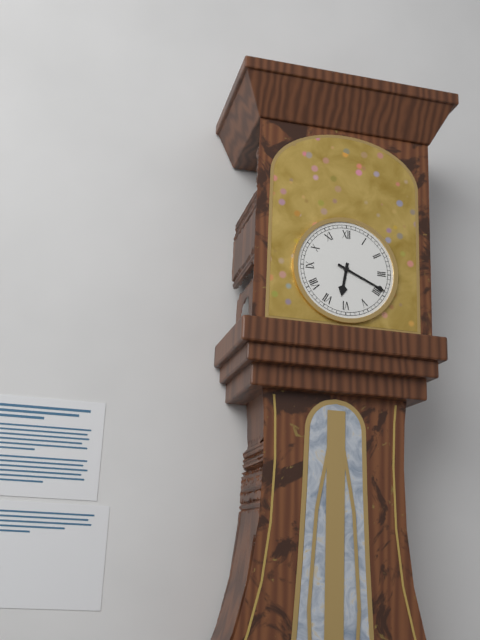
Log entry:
h=6 m=19
